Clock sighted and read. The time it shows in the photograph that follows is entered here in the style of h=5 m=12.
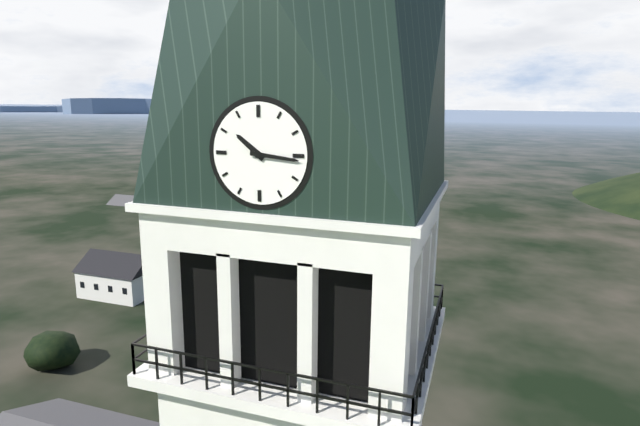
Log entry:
h=10 m=16
